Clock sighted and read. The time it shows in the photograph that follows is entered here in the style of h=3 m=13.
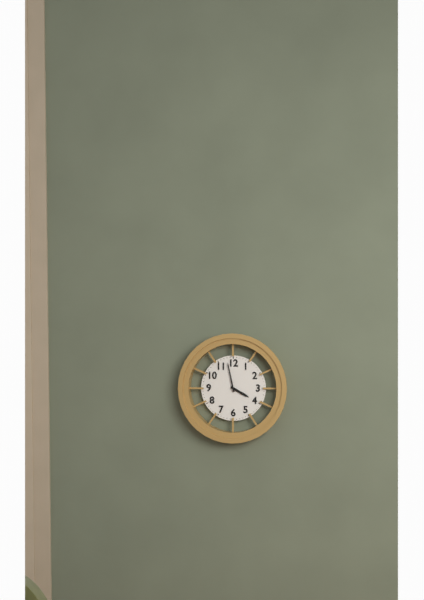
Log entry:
h=3 m=58
